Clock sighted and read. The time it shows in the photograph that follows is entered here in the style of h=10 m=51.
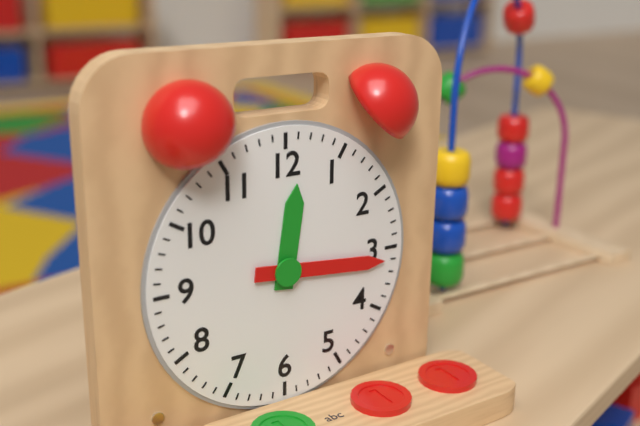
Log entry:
h=12 m=16
